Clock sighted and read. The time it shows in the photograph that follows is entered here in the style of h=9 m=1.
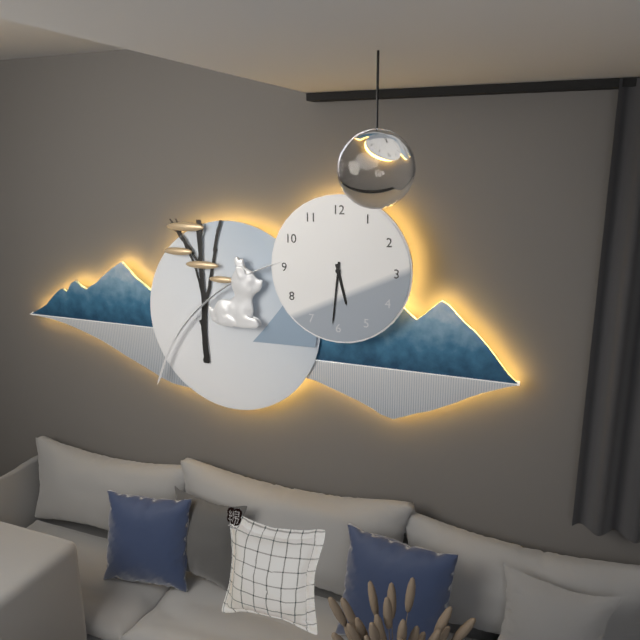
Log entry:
h=5 m=31
